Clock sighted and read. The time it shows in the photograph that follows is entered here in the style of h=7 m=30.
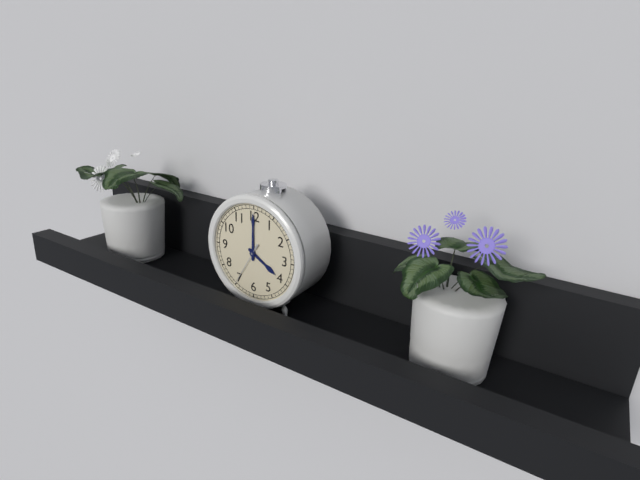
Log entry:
h=4 m=0
